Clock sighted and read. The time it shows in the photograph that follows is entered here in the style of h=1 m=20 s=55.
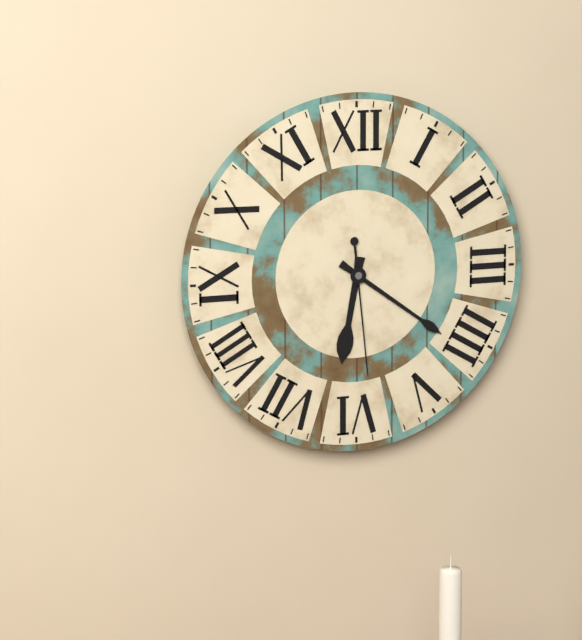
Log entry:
h=6 m=21 s=29
